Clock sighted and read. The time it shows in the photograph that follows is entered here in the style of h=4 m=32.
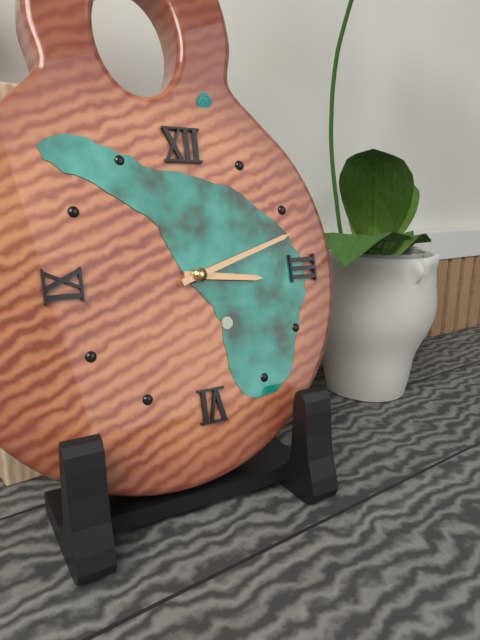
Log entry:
h=3 m=12
